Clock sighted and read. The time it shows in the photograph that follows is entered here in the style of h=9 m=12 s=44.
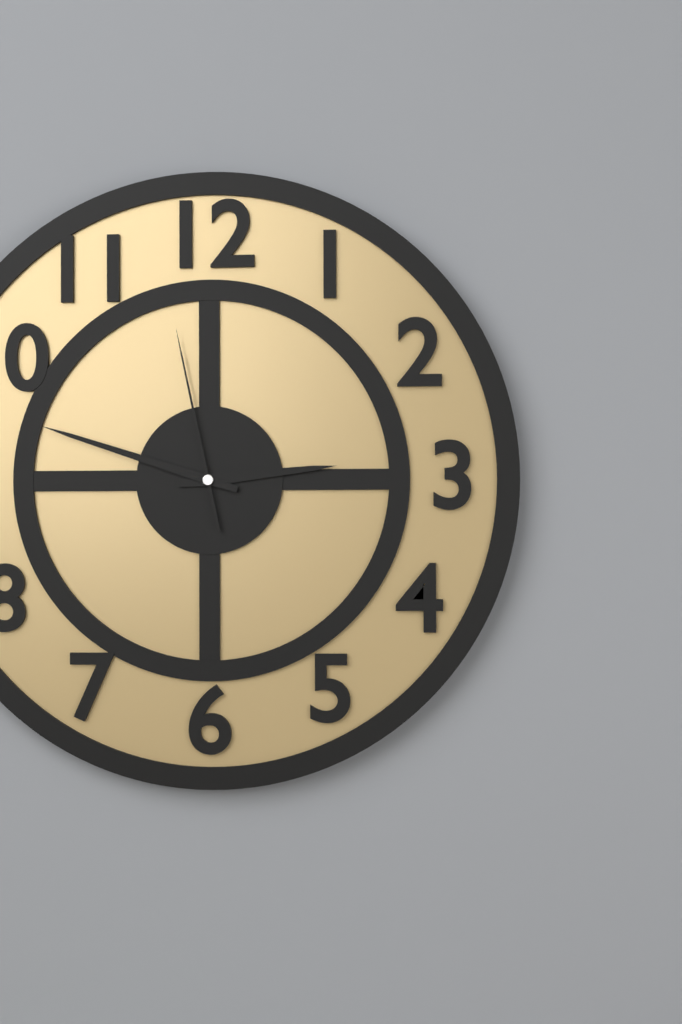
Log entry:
h=2 m=48 s=58
